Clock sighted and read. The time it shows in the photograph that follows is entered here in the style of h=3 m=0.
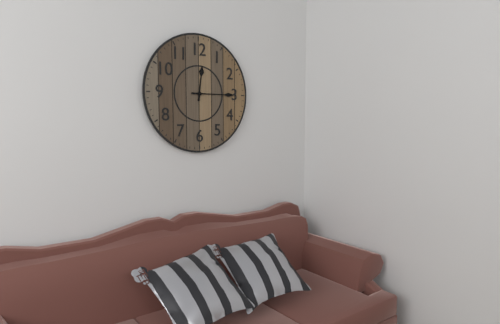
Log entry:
h=12 m=15
